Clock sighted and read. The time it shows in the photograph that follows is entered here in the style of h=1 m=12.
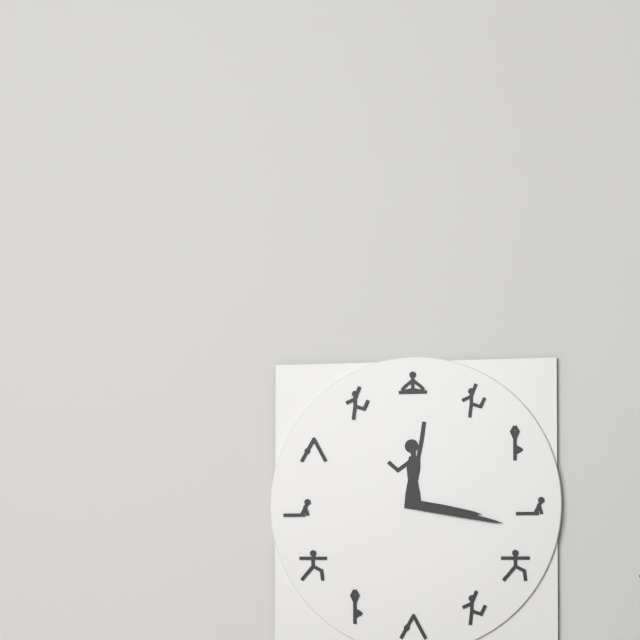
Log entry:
h=3 m=17
